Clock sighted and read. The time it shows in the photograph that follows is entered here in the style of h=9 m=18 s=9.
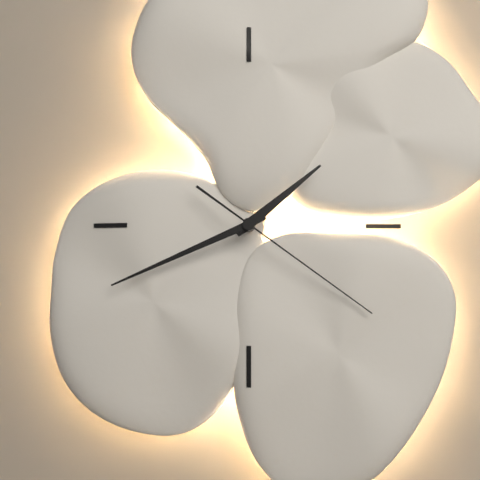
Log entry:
h=1 m=41 s=21
